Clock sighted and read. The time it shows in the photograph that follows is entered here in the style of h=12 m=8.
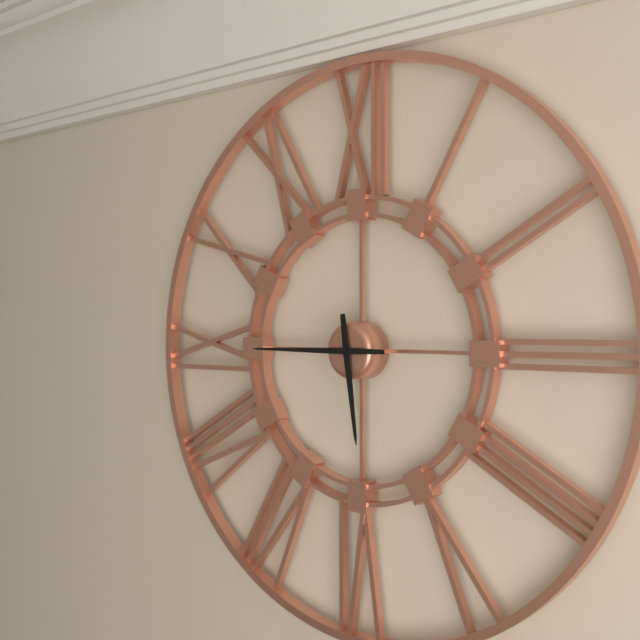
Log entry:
h=5 m=45
